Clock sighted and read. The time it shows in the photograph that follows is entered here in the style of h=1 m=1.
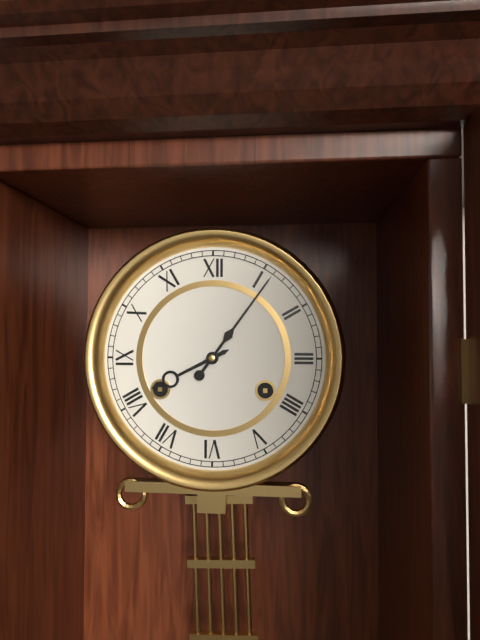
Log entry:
h=8 m=6
